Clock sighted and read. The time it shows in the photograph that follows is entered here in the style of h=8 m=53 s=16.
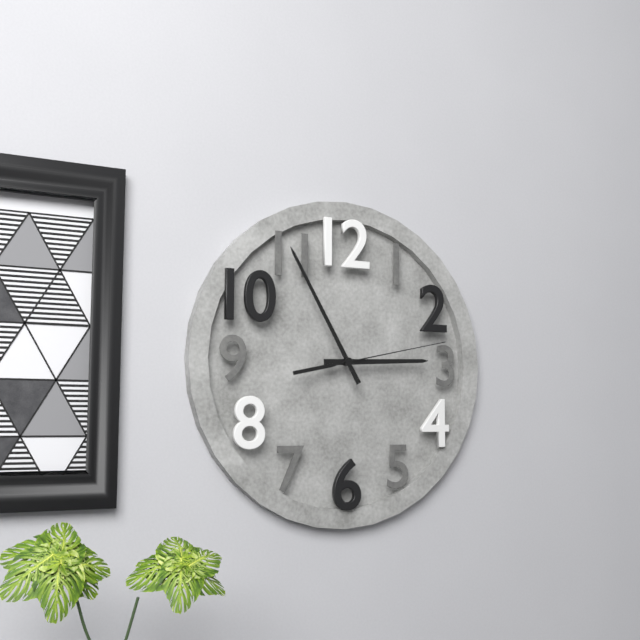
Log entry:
h=2 m=55 s=13
